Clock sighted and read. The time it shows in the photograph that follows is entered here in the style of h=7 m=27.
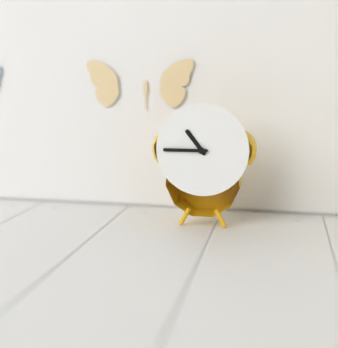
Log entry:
h=10 m=45
